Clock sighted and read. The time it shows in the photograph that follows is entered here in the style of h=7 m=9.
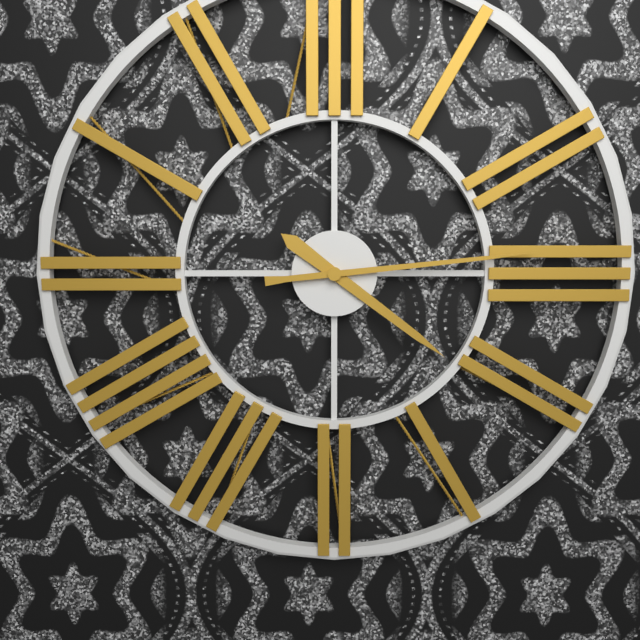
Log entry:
h=4 m=14
